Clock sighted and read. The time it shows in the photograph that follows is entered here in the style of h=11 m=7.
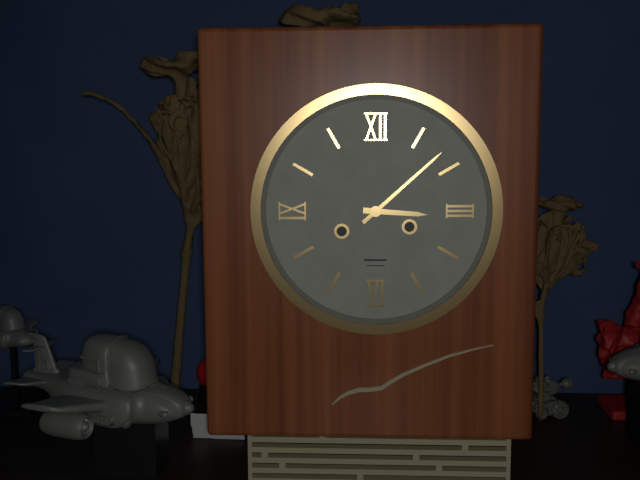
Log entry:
h=3 m=8
